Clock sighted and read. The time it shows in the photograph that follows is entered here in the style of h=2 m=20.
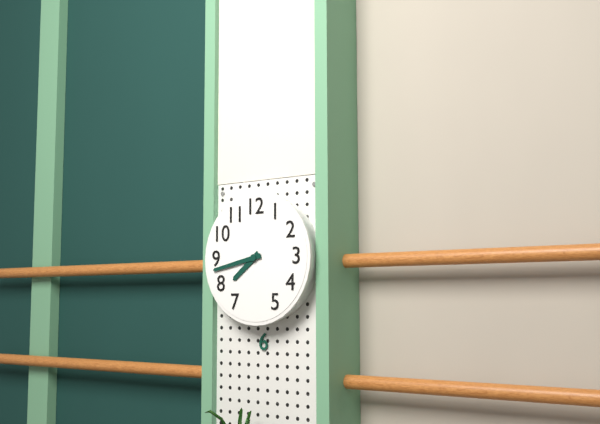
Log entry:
h=7 m=43
